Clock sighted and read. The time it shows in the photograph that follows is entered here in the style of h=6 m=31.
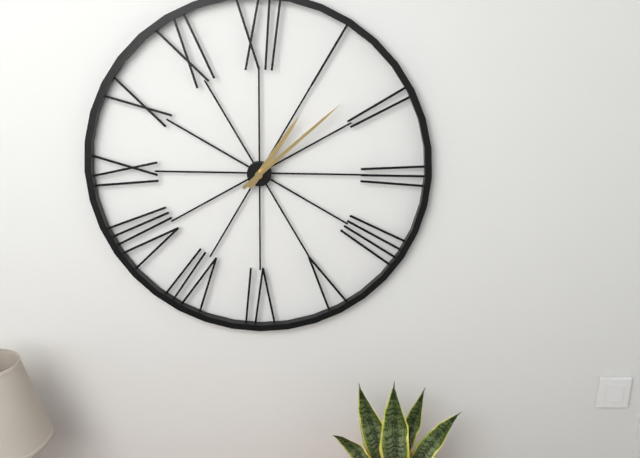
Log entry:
h=1 m=8
